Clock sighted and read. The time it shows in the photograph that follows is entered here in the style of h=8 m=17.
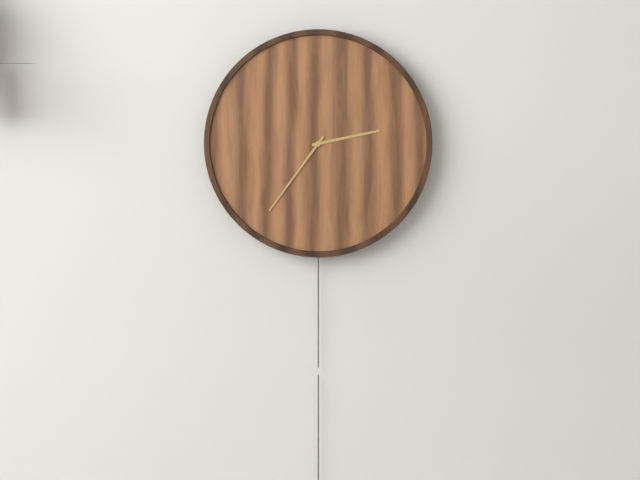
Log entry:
h=2 m=36
